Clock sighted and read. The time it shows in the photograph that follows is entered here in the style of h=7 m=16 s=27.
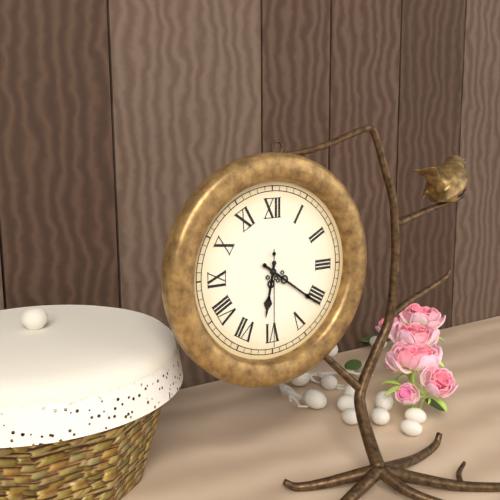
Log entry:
h=6 m=21 s=30
